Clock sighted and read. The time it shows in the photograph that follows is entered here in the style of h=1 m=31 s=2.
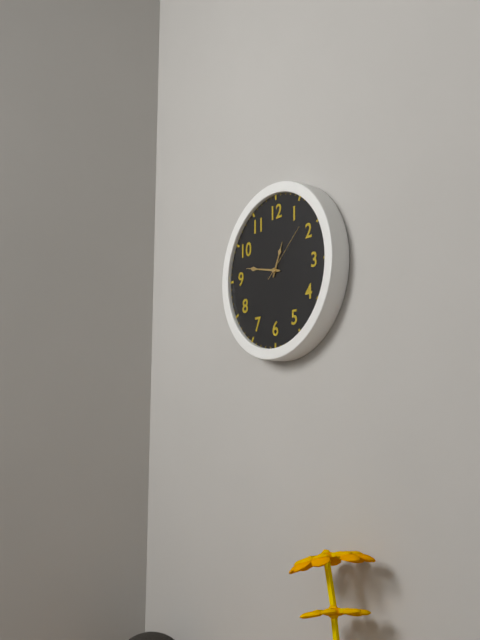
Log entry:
h=12 m=47 s=8
